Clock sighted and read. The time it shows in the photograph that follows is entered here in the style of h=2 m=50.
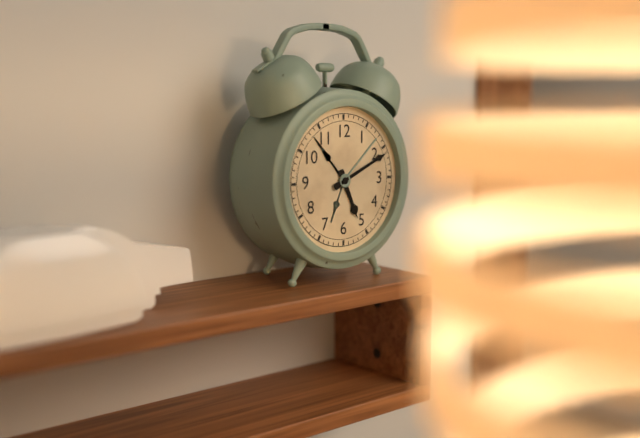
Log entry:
h=5 m=11
